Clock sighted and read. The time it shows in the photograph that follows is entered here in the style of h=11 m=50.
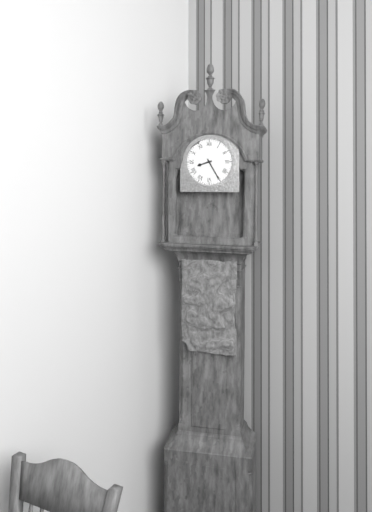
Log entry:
h=8 m=25
